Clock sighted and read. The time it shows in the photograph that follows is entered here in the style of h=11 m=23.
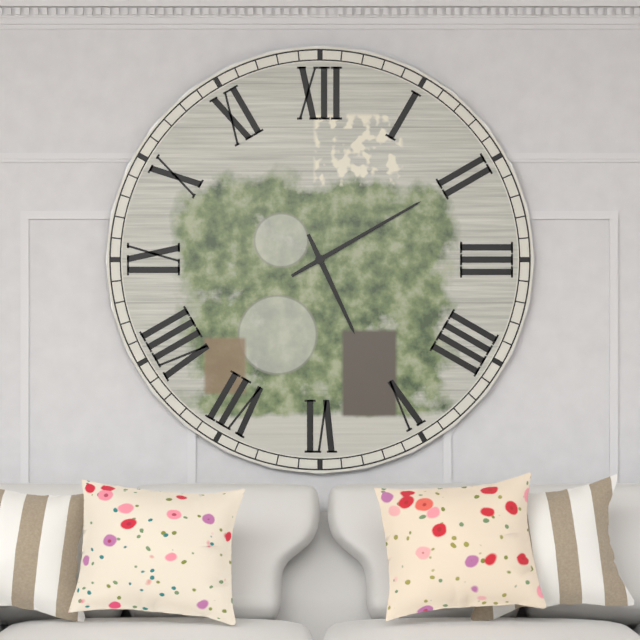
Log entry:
h=5 m=10
